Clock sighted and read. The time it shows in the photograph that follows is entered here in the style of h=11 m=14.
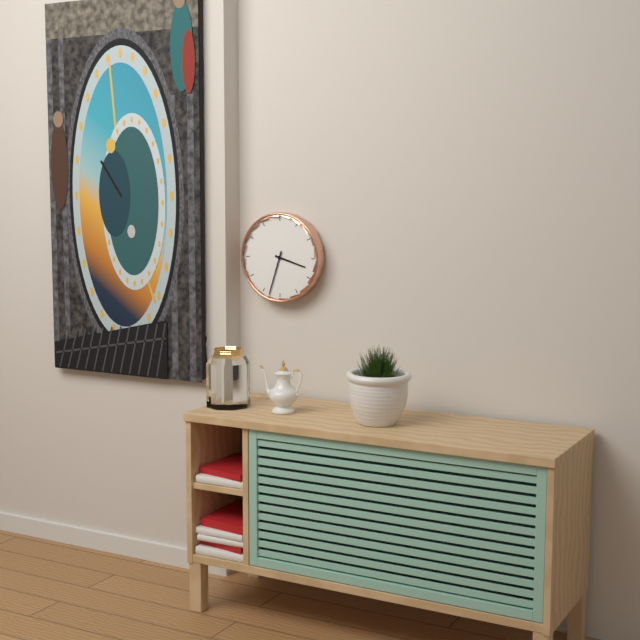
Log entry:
h=3 m=33
